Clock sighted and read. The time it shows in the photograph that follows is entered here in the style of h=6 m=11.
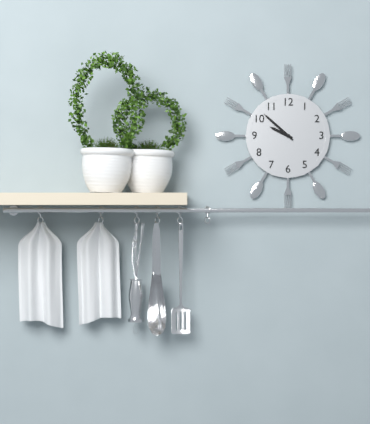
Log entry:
h=9 m=52
